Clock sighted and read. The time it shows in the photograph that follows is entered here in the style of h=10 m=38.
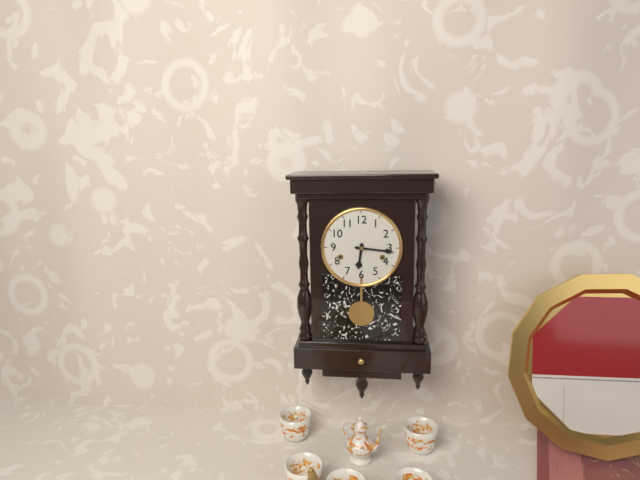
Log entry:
h=6 m=16
